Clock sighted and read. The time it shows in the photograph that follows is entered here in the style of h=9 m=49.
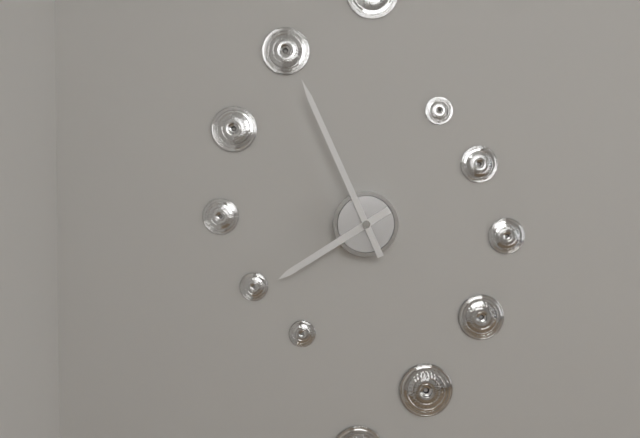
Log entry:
h=7 m=56
